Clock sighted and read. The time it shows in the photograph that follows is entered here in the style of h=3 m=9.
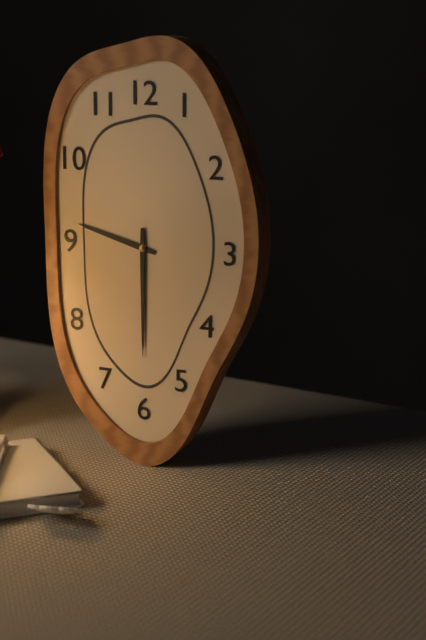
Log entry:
h=9 m=30
